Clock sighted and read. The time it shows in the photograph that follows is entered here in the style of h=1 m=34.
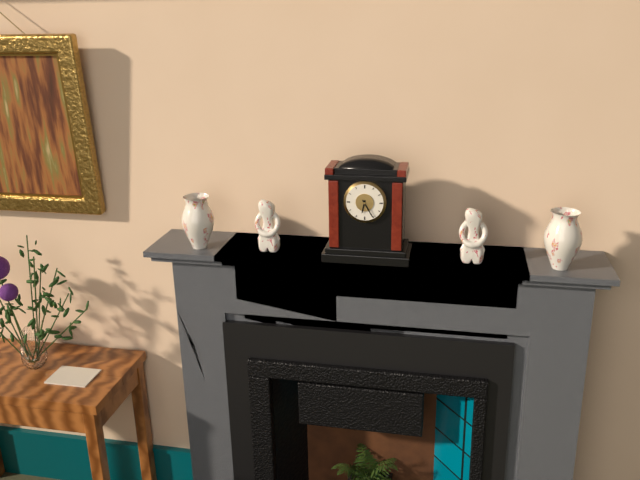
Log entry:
h=6 m=25
